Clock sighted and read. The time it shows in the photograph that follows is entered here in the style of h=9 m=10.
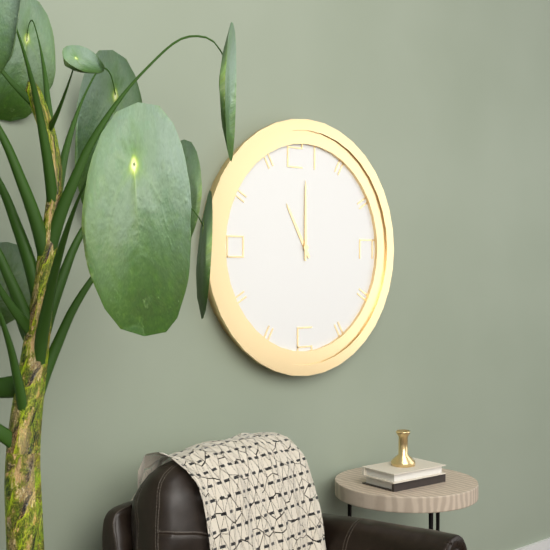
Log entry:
h=11 m=0
